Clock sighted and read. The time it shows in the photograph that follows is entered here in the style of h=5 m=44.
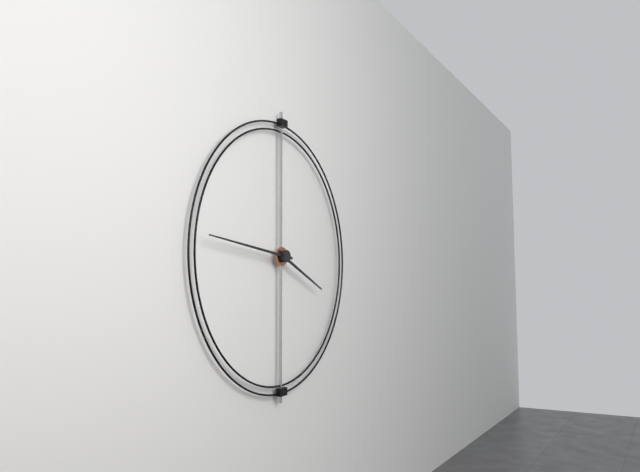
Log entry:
h=3 m=46
